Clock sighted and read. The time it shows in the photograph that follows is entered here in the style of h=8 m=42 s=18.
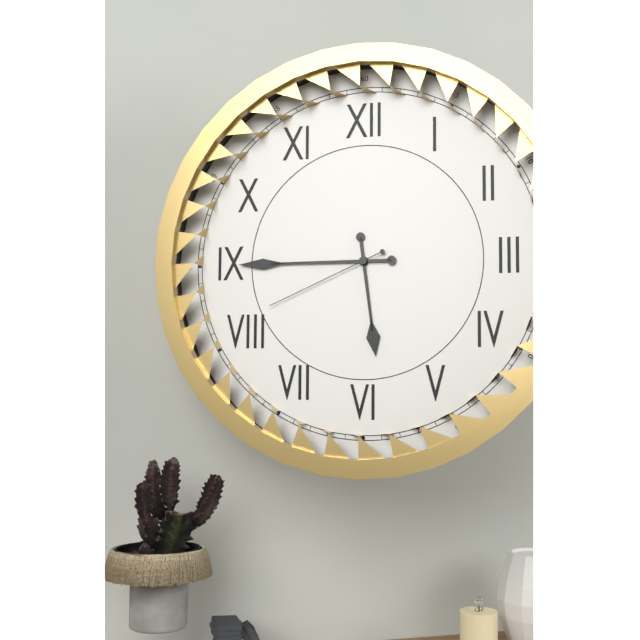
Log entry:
h=5 m=45 s=41
